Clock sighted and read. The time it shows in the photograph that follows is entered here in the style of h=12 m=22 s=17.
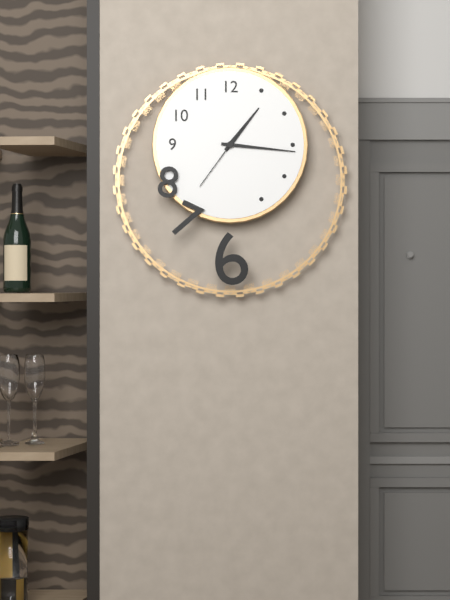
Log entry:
h=1 m=16 s=36
